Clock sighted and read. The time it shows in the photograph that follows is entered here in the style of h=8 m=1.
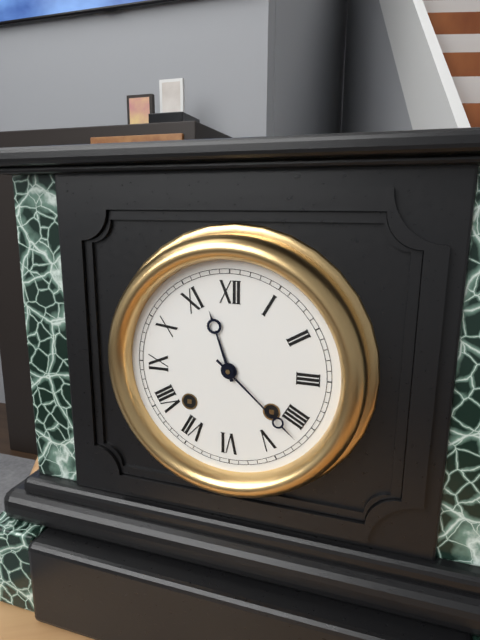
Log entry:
h=11 m=22
